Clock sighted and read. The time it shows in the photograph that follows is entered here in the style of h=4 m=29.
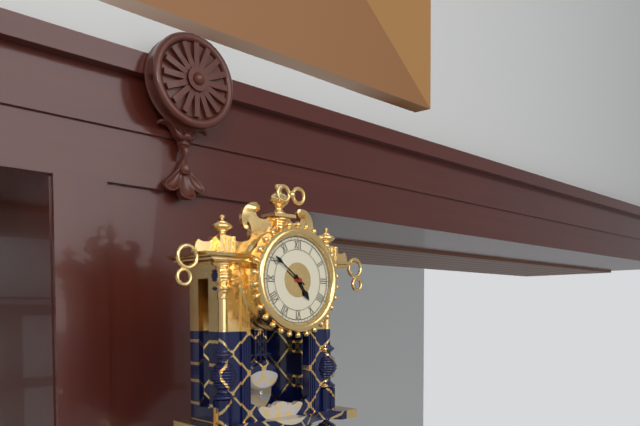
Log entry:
h=4 m=51
